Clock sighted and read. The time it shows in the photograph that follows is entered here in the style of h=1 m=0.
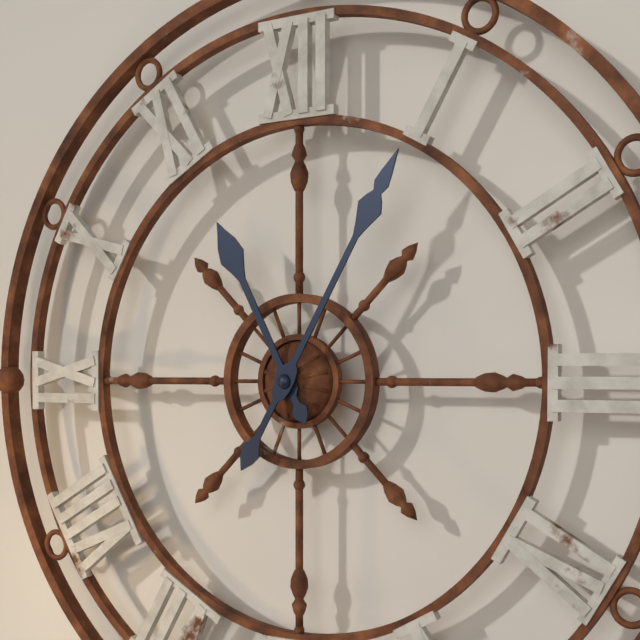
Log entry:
h=11 m=5
